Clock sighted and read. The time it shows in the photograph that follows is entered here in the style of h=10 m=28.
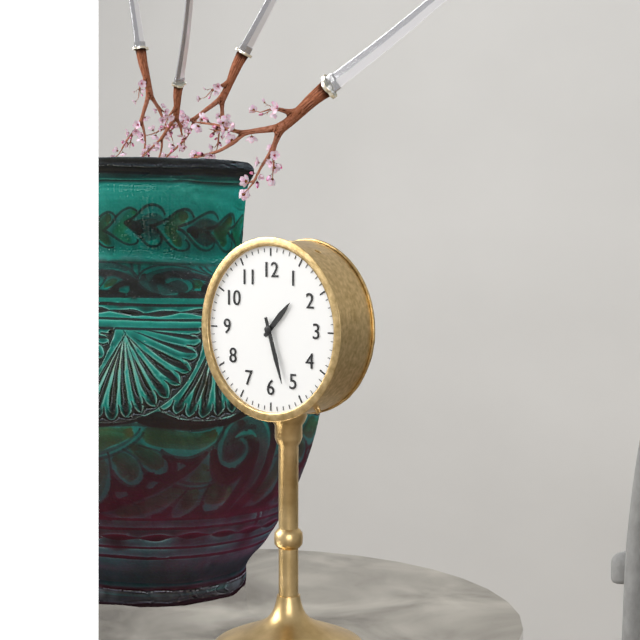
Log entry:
h=1 m=27
